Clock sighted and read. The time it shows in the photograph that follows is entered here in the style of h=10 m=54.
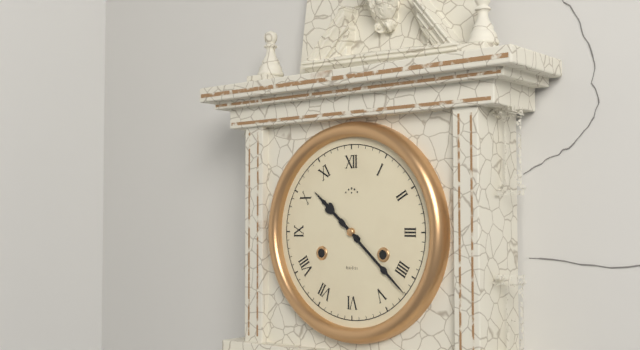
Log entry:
h=10 m=22
